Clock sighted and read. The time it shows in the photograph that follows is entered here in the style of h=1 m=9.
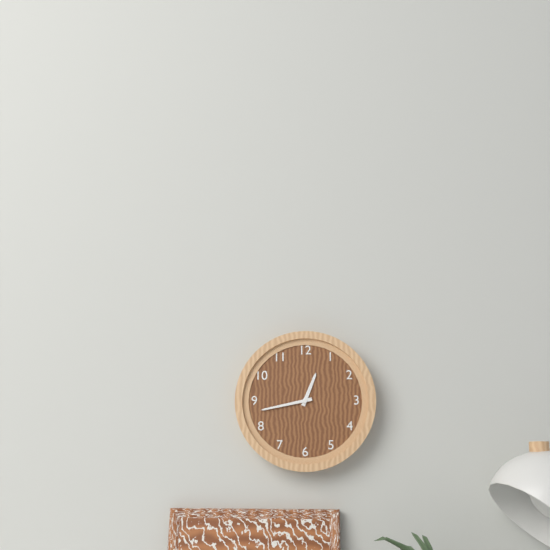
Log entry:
h=12 m=43
